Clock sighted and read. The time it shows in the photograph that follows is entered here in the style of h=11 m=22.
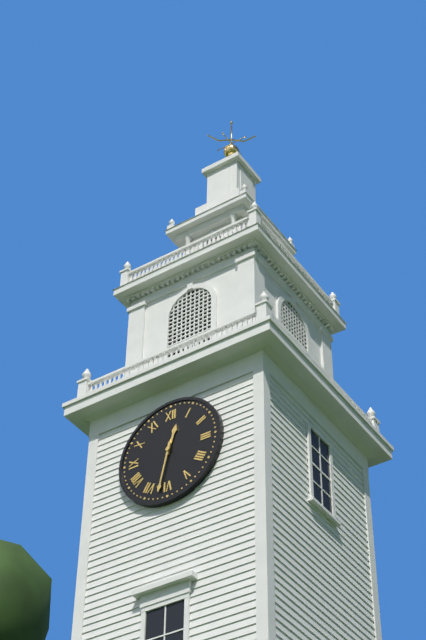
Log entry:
h=12 m=32
